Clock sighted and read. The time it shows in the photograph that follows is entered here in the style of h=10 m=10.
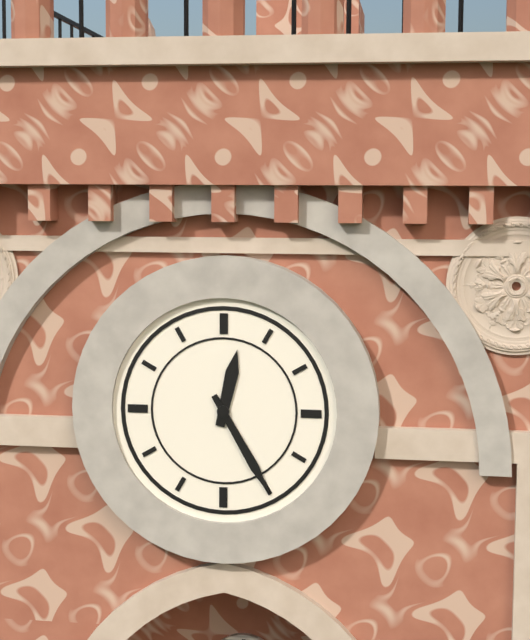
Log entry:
h=12 m=25
